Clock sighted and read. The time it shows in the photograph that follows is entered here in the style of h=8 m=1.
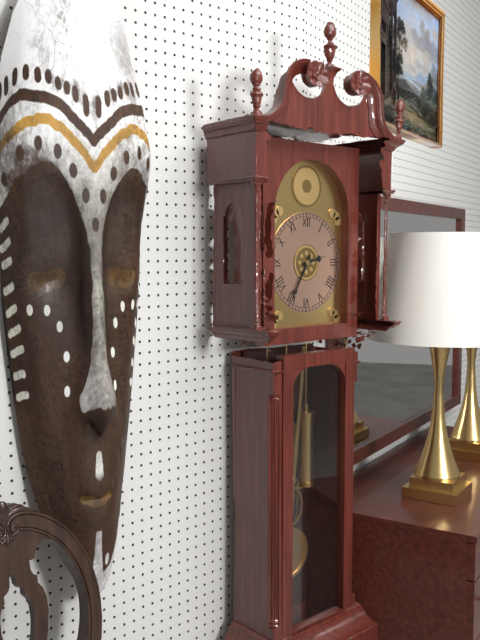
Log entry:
h=2 m=35
